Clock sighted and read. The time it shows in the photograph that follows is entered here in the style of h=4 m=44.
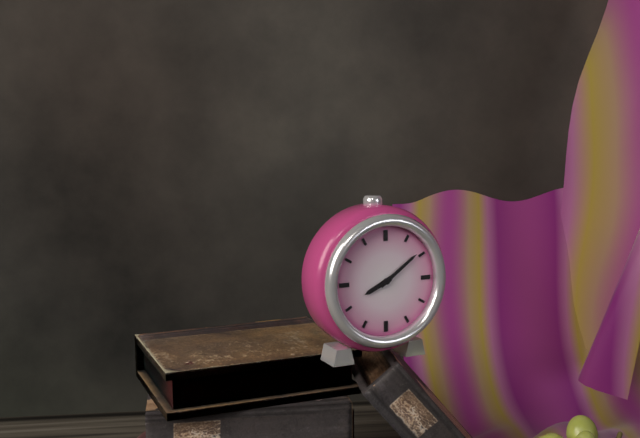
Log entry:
h=8 m=9
